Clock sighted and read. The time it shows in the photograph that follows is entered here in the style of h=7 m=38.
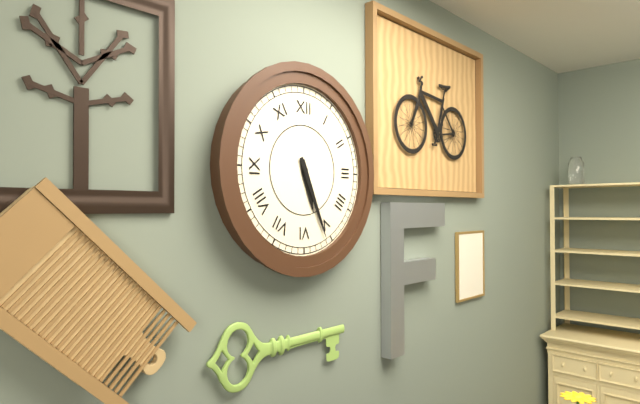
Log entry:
h=5 m=26
